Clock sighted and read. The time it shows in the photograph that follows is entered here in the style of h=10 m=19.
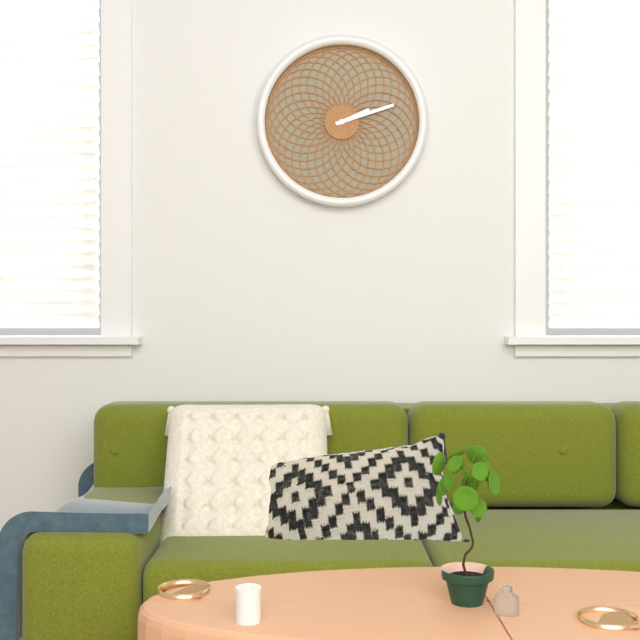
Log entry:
h=2 m=12
